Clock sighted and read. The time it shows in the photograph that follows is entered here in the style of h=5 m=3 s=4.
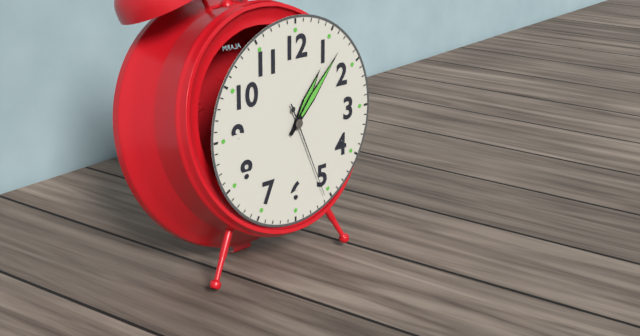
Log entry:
h=1 m=7 s=26
